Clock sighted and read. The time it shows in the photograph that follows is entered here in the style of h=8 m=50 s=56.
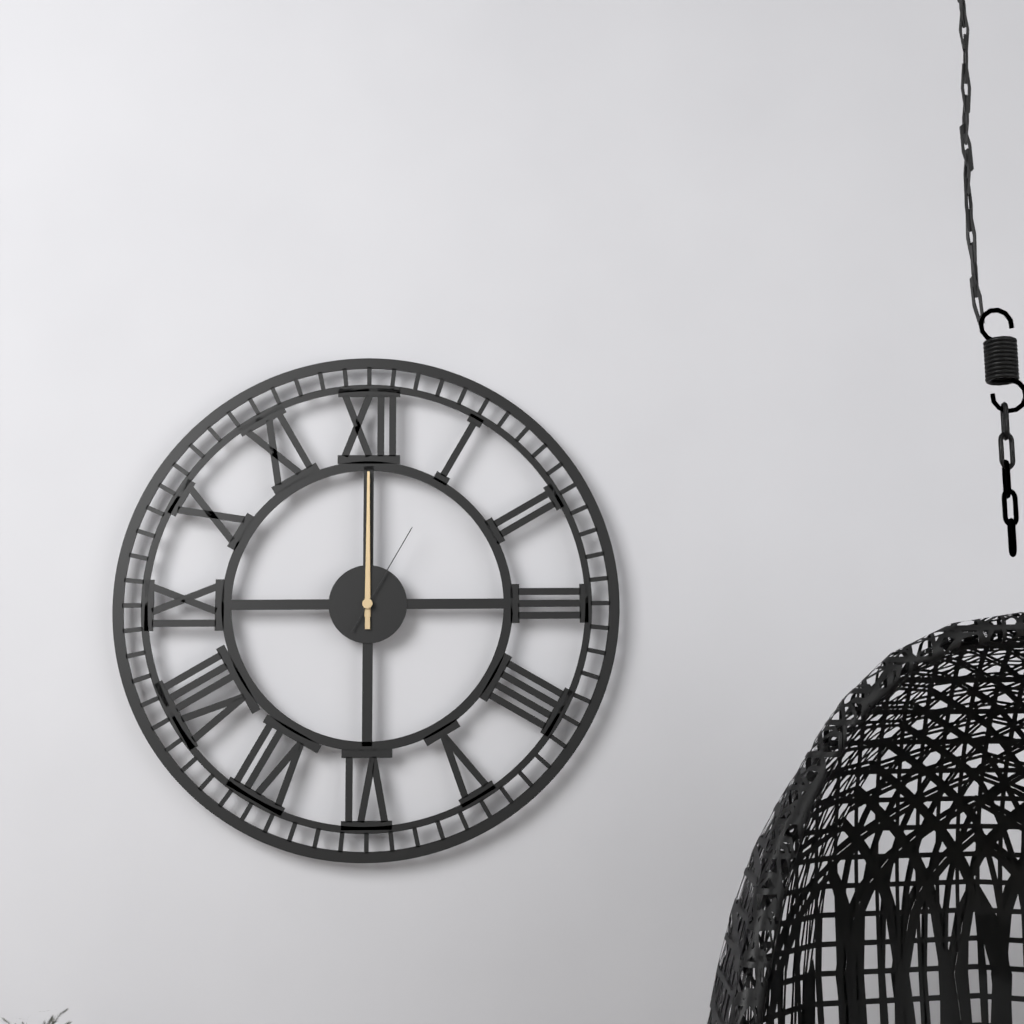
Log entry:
h=12 m=0 s=5
